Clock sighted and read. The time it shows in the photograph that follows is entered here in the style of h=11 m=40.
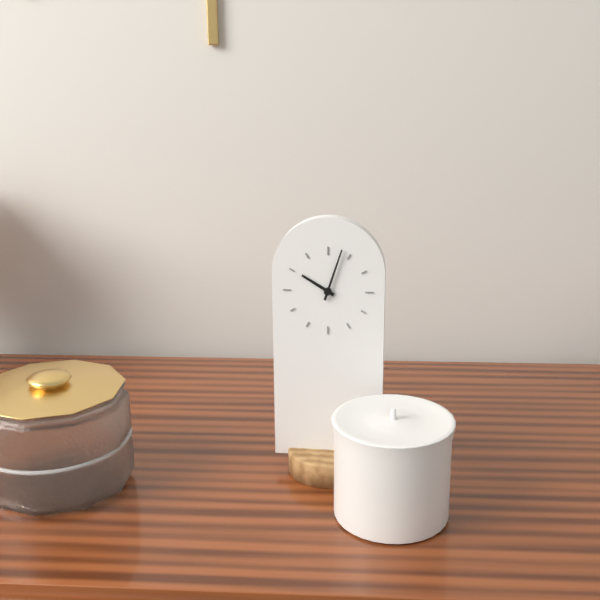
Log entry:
h=10 m=3
